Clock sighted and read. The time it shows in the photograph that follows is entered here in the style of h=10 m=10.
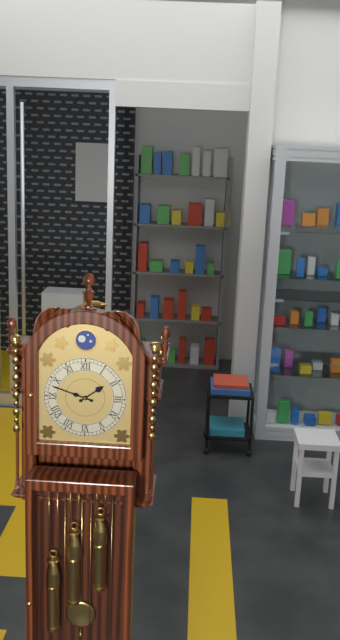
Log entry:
h=1 m=48
